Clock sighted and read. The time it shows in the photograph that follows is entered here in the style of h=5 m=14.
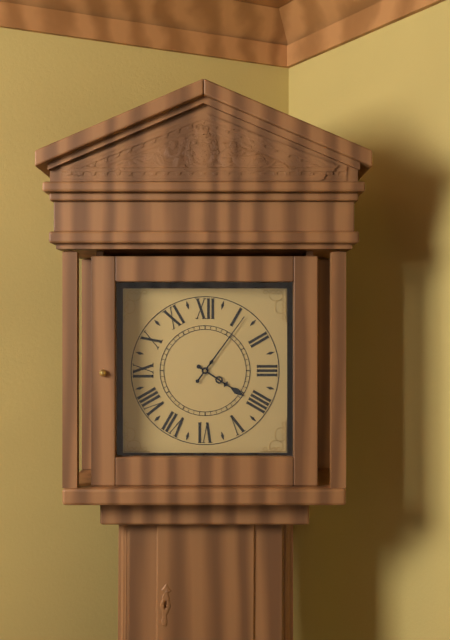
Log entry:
h=4 m=6
